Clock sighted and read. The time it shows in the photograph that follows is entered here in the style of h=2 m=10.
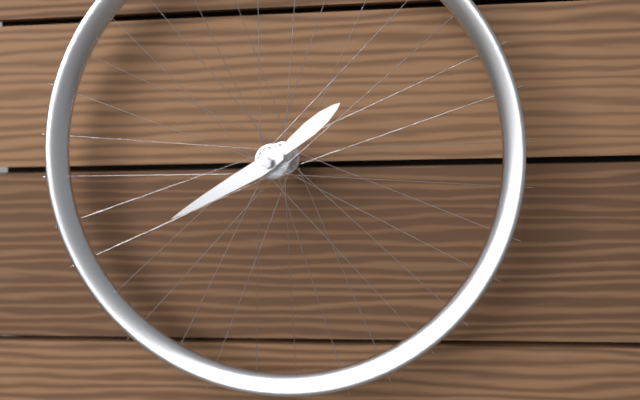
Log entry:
h=1 m=40
